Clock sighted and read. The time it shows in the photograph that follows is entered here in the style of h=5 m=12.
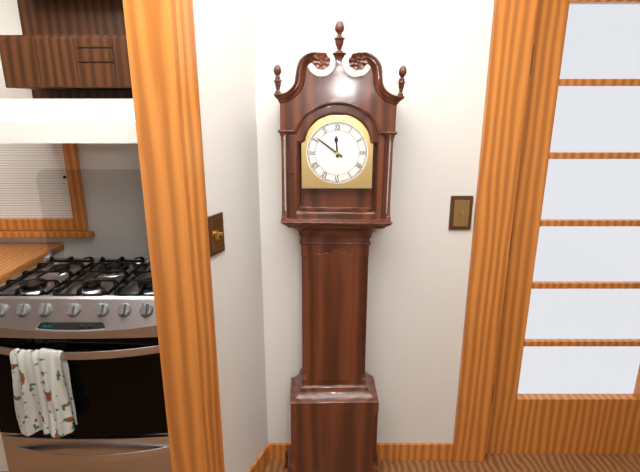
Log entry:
h=11 m=51
